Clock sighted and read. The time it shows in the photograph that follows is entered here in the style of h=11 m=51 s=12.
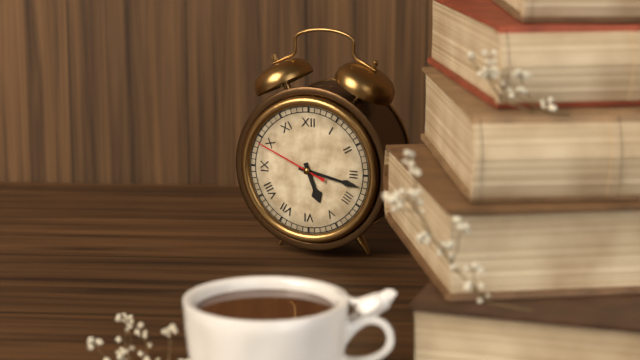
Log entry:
h=5 m=17 s=49
